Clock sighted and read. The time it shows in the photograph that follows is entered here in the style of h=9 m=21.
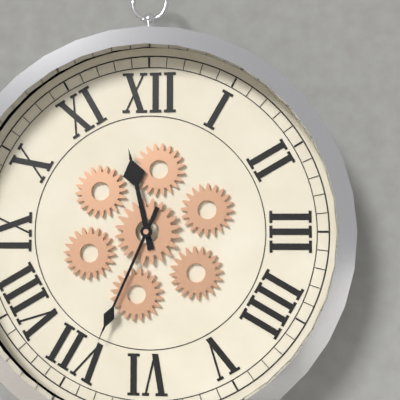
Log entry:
h=11 m=34
